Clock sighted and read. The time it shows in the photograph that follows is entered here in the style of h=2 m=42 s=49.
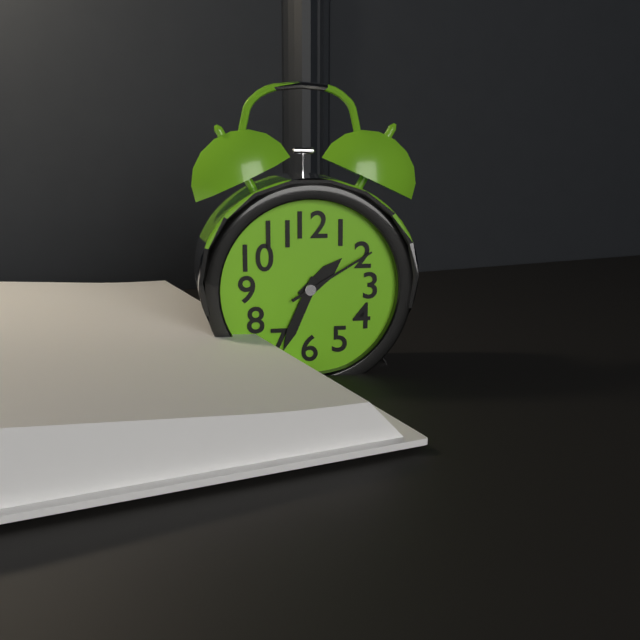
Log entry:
h=1 m=34 s=10
